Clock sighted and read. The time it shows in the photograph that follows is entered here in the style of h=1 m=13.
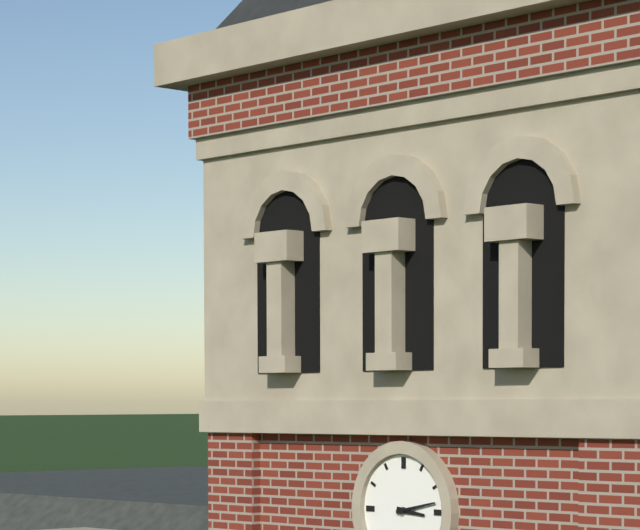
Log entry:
h=3 m=13
